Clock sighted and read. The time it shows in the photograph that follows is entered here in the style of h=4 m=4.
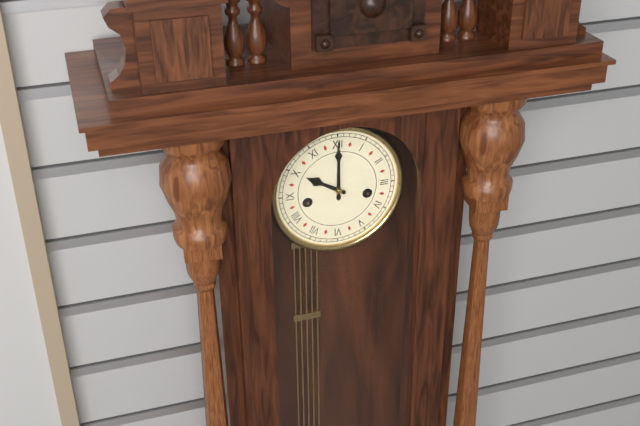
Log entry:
h=10 m=0
